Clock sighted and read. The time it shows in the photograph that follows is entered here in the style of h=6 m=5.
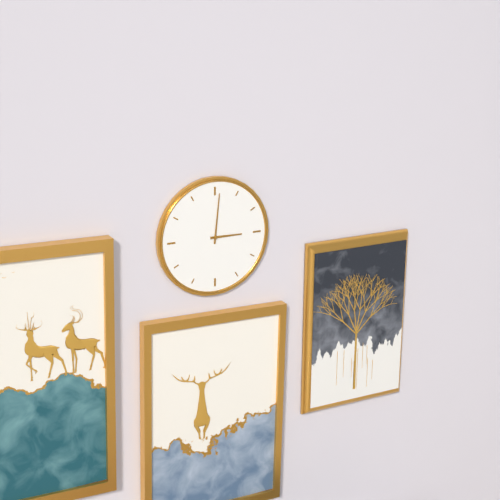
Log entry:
h=3 m=1
